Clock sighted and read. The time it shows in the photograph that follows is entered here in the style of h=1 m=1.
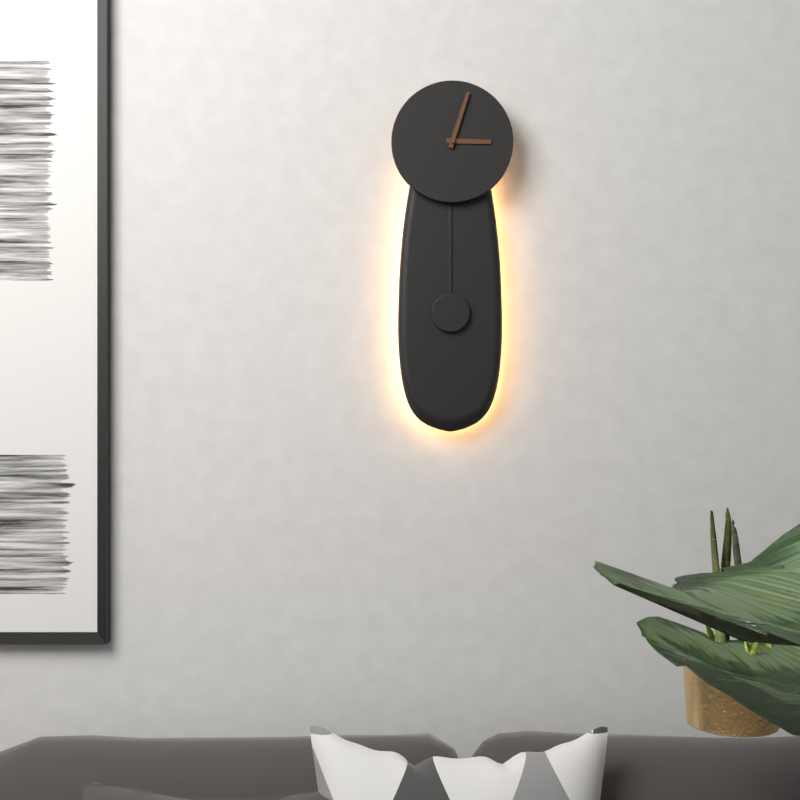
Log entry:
h=3 m=3
